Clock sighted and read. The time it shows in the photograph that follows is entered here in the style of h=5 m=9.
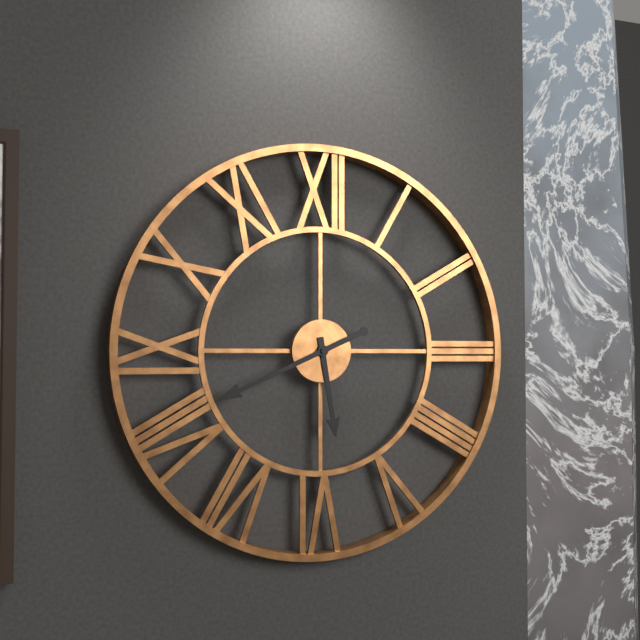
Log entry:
h=5 m=41
